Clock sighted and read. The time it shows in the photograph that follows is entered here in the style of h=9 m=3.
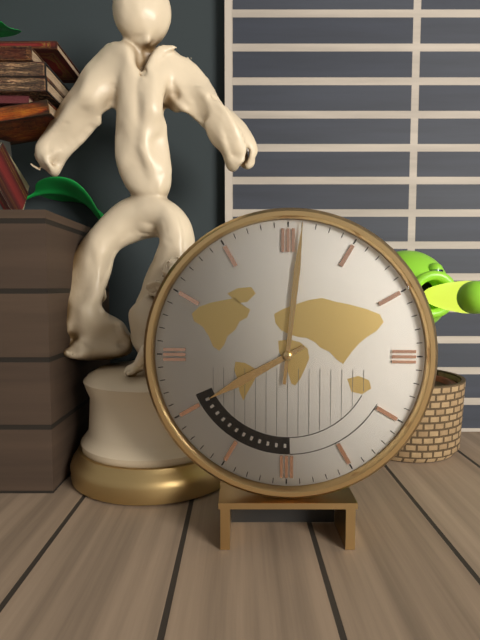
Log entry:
h=8 m=1
